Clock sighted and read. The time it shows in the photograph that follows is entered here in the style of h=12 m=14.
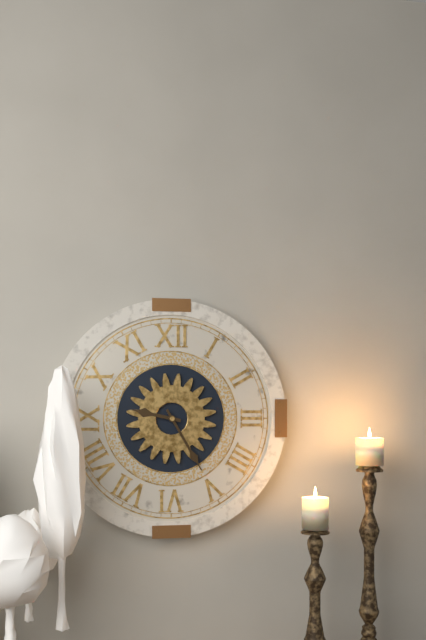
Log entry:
h=9 m=25
